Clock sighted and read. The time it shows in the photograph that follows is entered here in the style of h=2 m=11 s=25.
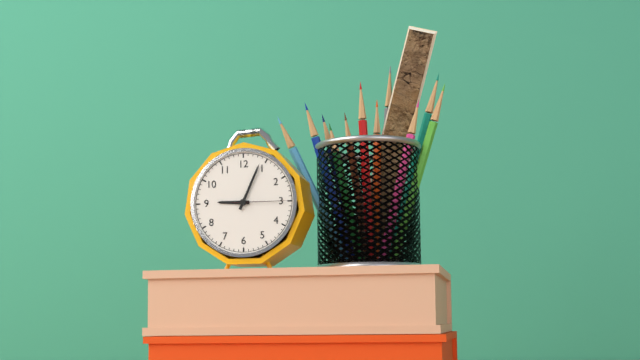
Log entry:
h=9 m=4 s=15
